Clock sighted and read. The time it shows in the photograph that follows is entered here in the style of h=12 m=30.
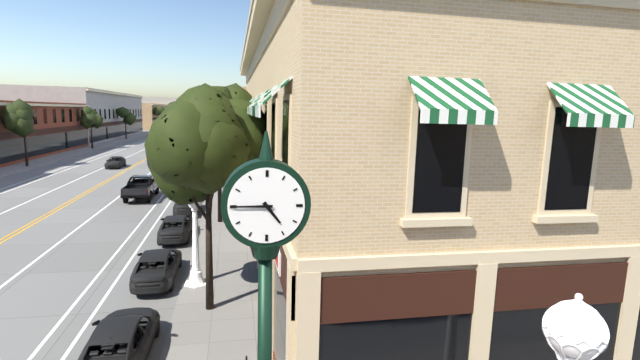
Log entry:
h=4 m=45
